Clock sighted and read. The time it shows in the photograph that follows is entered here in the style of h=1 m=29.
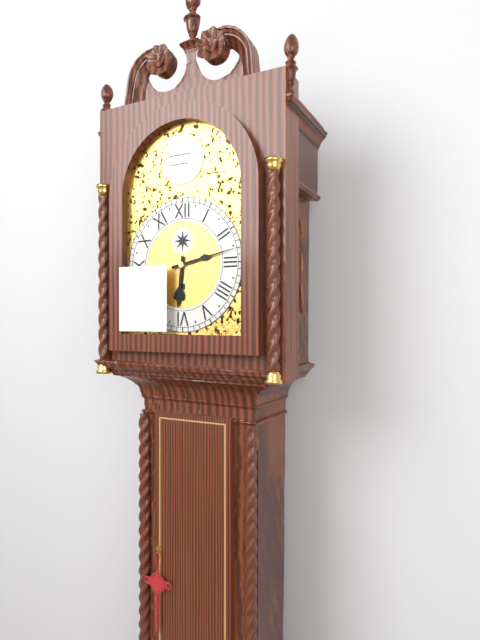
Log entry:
h=6 m=13
